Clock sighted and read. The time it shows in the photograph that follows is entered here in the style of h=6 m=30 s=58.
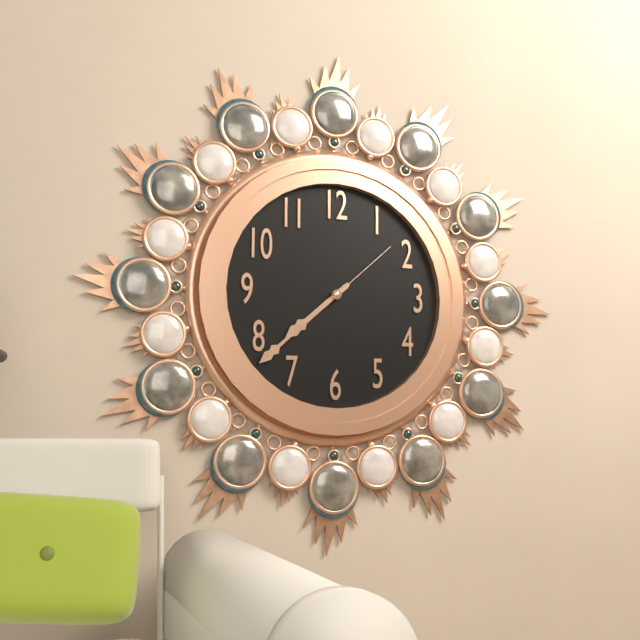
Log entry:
h=7 m=38 s=8
